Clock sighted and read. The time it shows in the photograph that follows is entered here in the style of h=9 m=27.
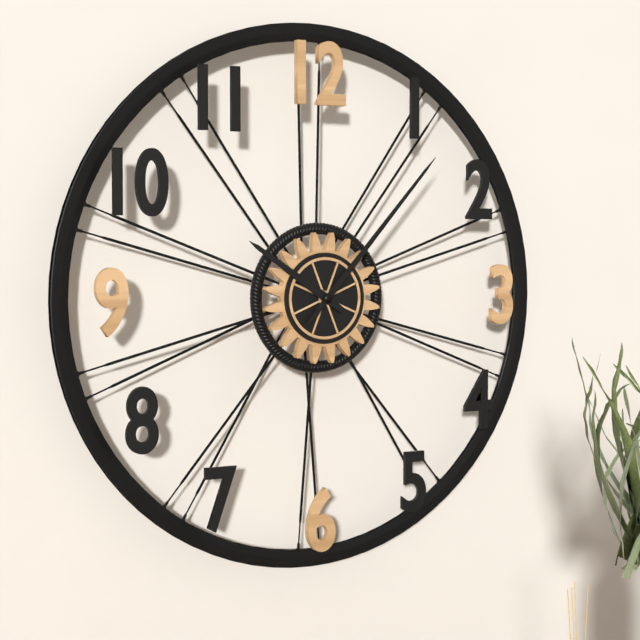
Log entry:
h=10 m=7
